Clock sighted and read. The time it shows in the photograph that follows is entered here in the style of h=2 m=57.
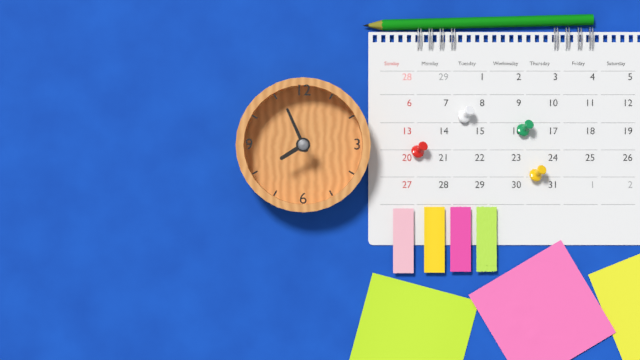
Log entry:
h=7 m=56
